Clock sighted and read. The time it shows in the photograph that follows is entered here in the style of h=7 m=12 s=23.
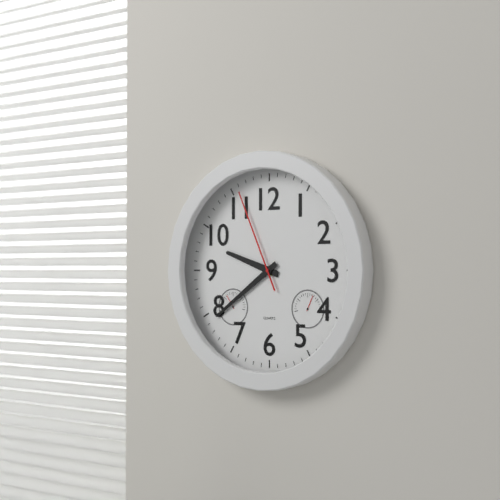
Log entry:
h=9 m=39 s=56
